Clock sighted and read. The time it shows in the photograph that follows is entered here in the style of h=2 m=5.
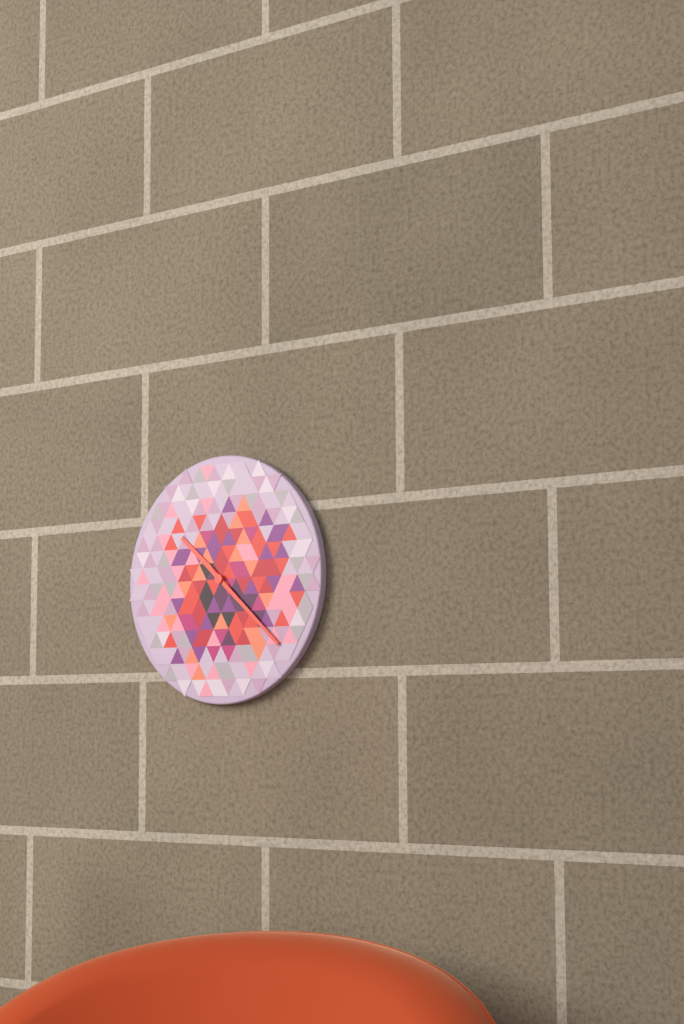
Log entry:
h=10 m=22
